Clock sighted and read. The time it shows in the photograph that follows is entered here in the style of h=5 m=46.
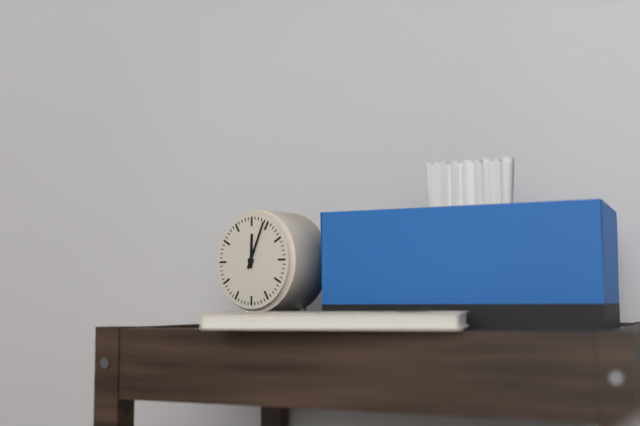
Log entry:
h=12 m=4
